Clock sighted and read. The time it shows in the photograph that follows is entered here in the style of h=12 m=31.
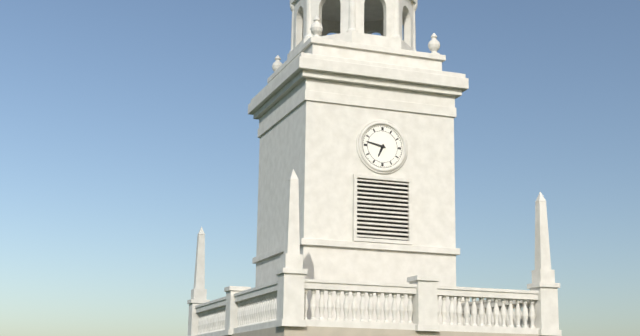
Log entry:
h=6 m=47
